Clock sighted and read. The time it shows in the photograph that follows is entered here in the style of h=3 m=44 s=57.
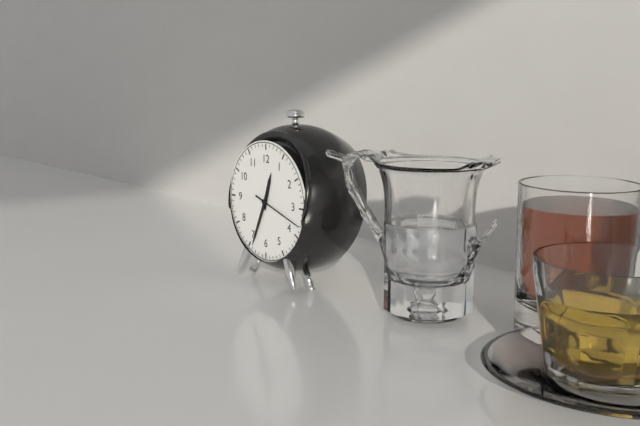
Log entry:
h=12 m=34 s=18
